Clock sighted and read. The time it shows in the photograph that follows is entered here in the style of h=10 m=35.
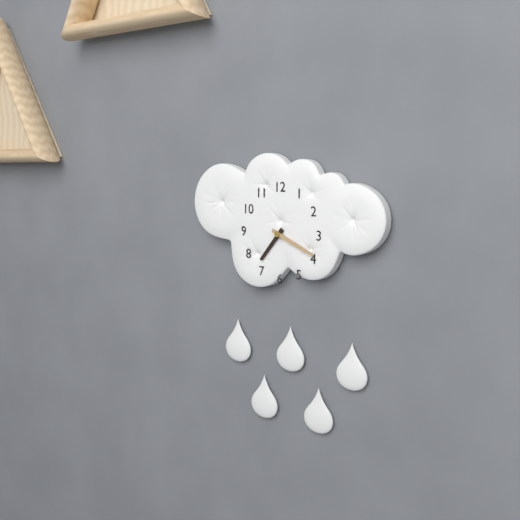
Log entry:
h=7 m=19
